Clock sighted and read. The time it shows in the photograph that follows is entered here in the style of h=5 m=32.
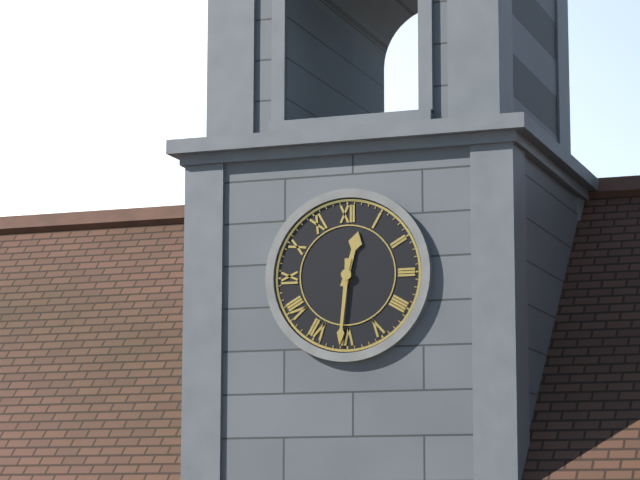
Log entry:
h=12 m=31
